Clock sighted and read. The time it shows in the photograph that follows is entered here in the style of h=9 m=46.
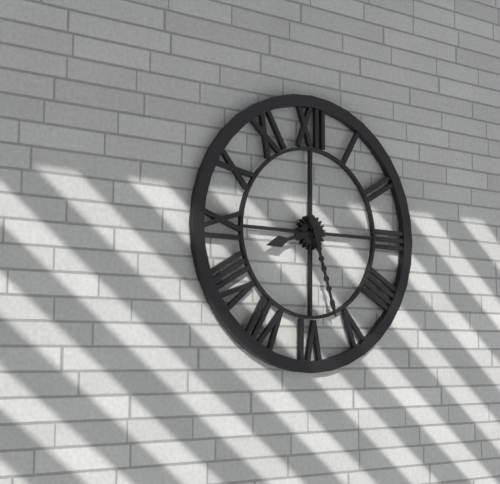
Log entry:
h=8 m=27
